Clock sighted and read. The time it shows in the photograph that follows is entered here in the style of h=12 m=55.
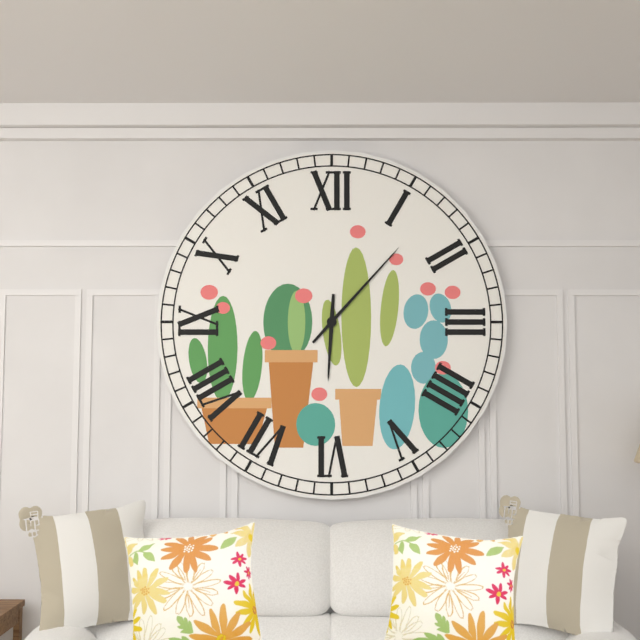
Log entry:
h=6 m=7
